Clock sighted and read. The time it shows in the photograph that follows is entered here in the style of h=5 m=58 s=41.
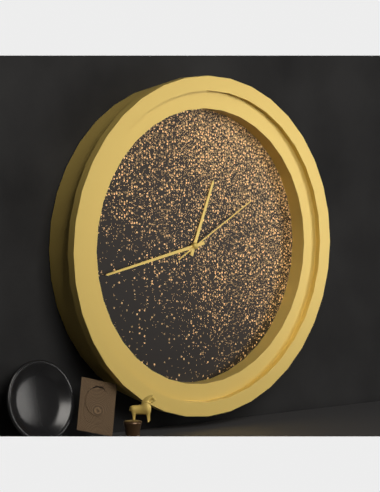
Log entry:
h=12 m=43 s=10
